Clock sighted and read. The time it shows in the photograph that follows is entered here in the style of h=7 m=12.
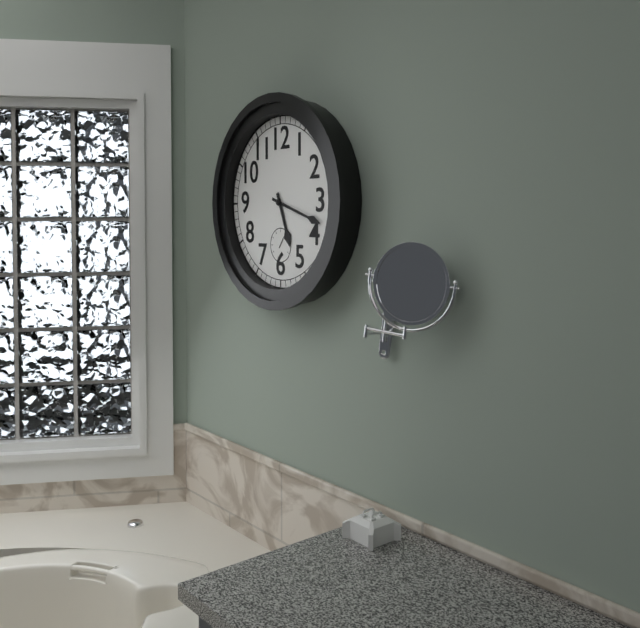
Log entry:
h=5 m=18
